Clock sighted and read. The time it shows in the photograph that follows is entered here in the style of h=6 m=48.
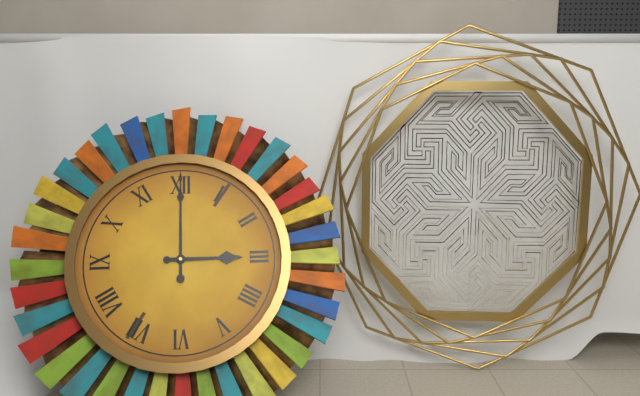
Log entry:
h=3 m=0
